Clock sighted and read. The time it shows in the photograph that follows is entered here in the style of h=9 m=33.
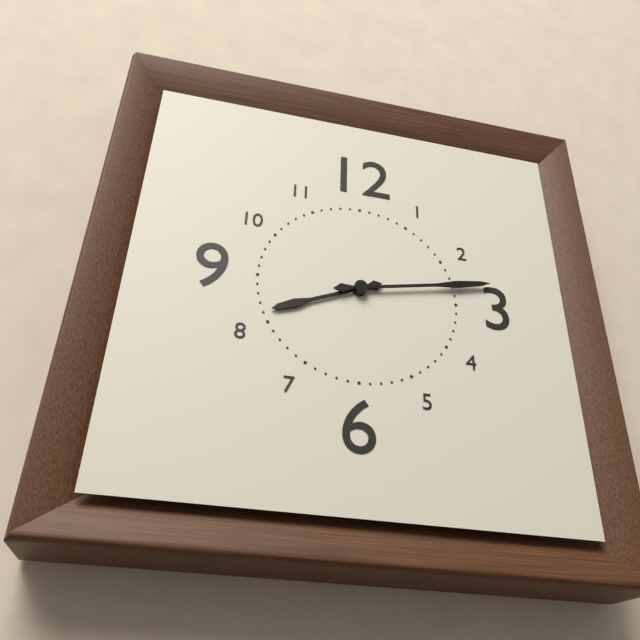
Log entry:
h=8 m=13
